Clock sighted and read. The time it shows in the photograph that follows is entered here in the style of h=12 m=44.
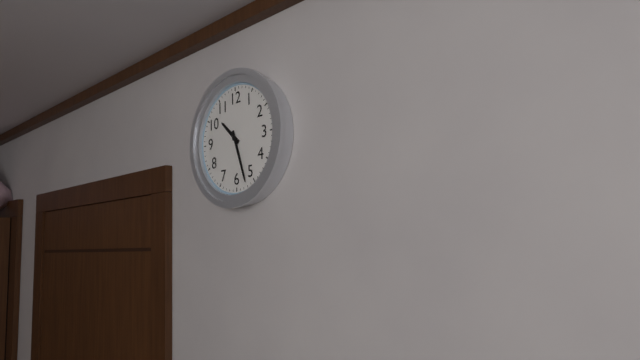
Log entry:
h=10 m=27
